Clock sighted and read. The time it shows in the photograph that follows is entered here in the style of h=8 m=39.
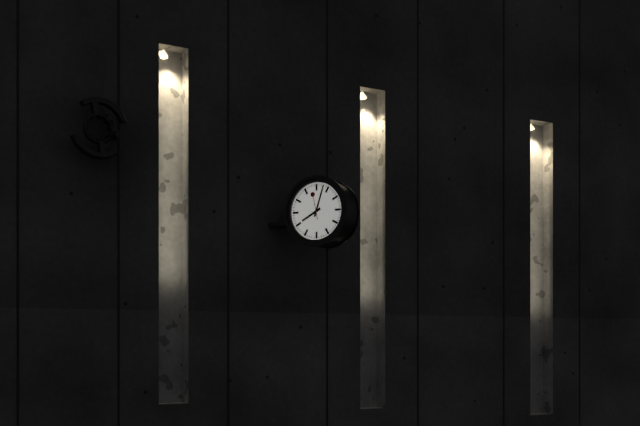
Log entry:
h=8 m=3
